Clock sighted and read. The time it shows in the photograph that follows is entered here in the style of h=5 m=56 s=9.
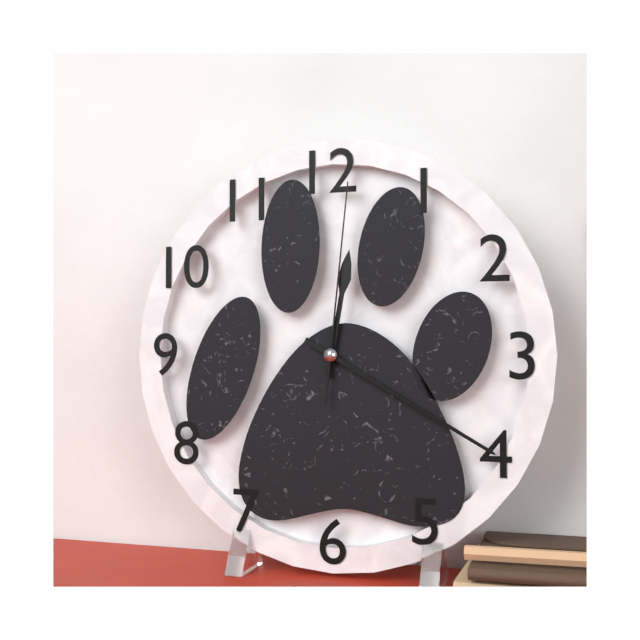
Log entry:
h=12 m=20 s=1
